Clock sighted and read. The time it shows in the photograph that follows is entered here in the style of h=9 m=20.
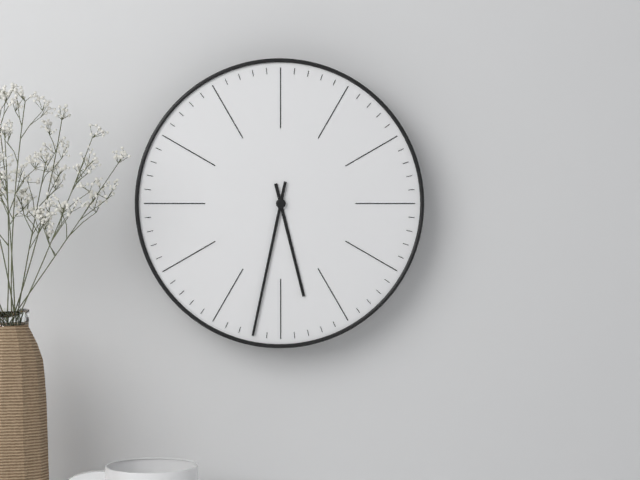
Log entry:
h=5 m=32
